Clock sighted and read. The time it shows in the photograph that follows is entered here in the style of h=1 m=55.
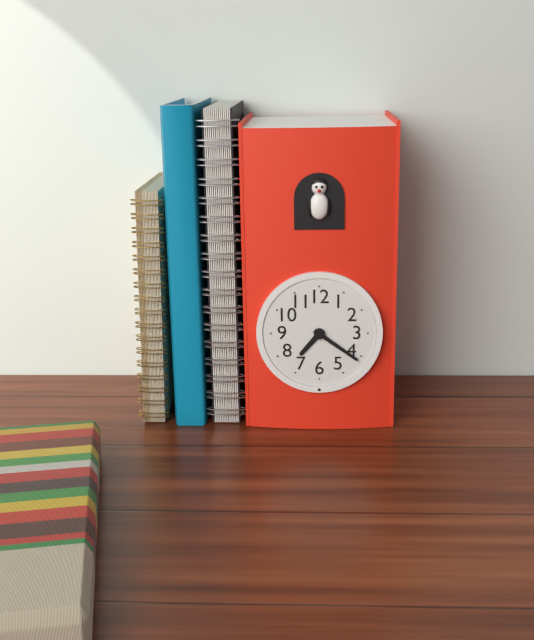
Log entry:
h=7 m=21
